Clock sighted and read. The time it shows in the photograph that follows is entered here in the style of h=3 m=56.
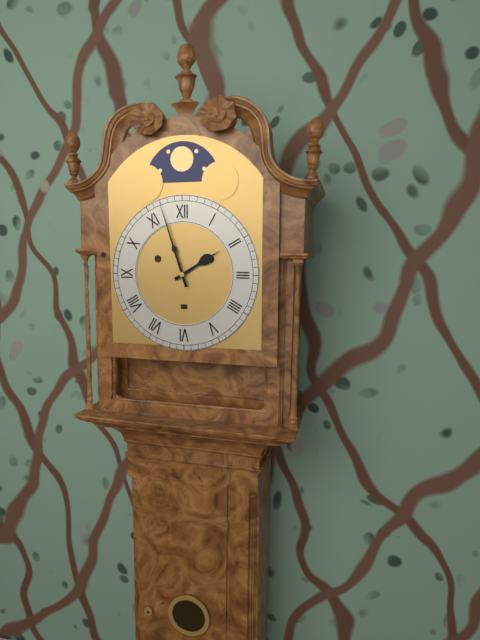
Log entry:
h=1 m=57
